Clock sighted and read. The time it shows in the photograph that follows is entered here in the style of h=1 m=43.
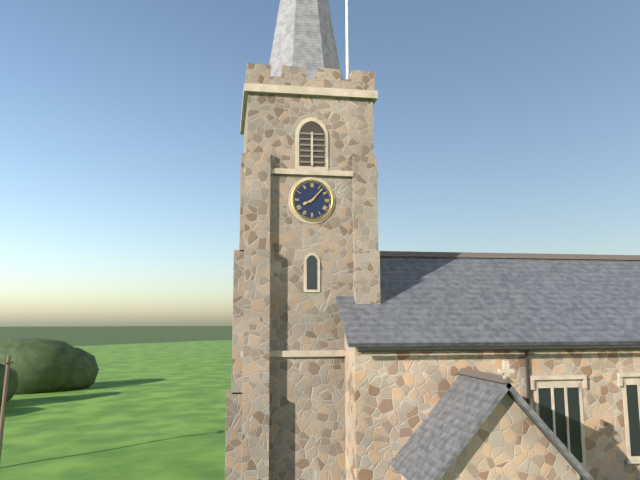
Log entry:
h=8 m=7
